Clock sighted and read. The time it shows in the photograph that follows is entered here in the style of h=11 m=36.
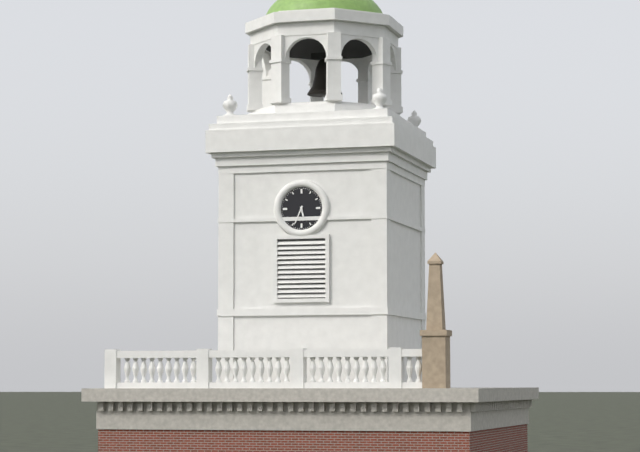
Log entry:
h=5 m=34
